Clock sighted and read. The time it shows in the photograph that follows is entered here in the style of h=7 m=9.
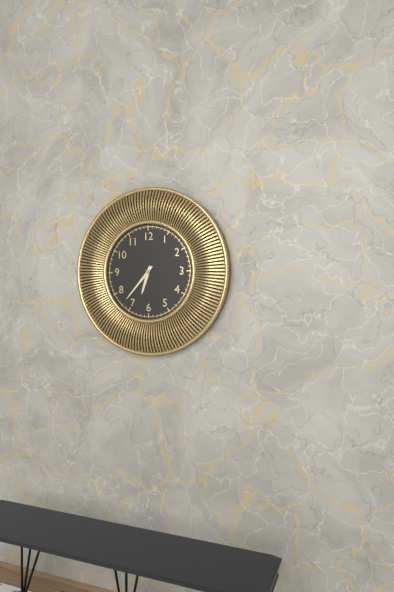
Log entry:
h=6 m=37
